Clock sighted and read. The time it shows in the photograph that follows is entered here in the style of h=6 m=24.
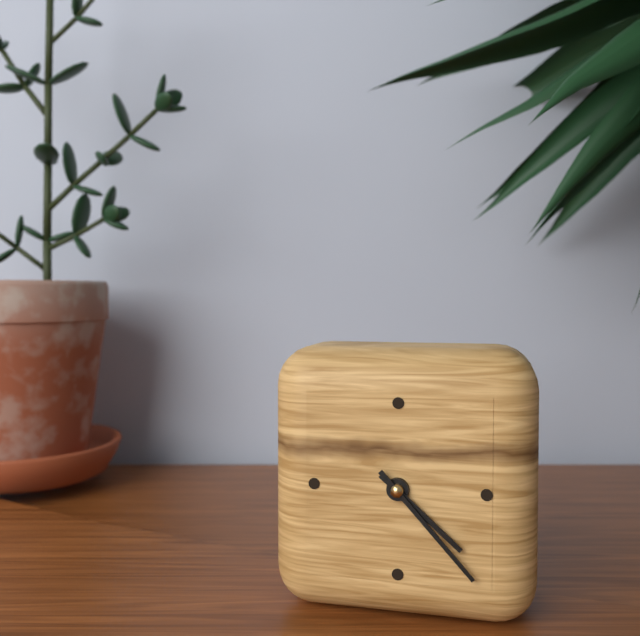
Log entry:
h=4 m=23
